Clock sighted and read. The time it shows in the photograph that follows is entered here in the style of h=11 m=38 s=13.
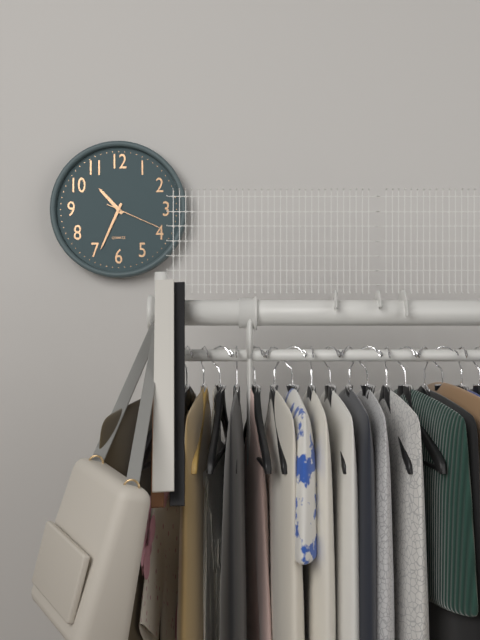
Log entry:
h=10 m=34 s=19
